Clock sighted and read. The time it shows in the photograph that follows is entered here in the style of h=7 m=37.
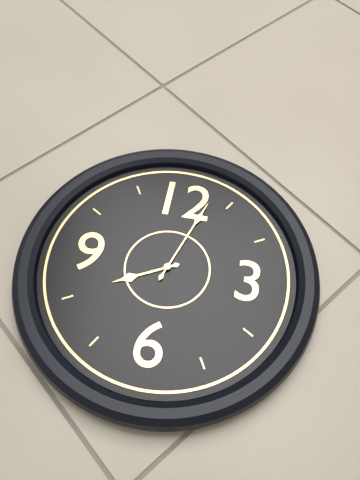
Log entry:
h=8 m=3
